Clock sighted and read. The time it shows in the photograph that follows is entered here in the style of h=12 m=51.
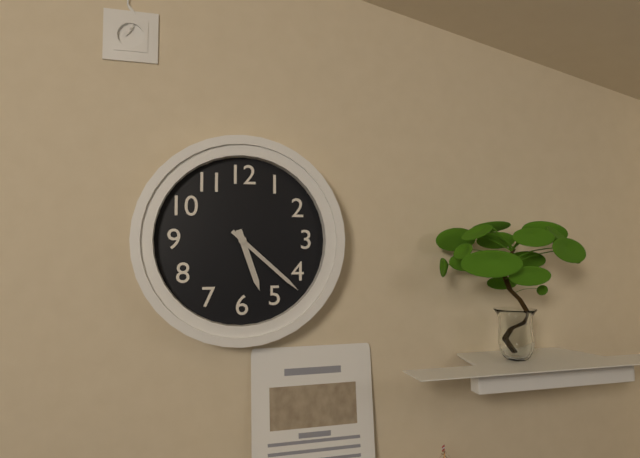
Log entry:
h=5 m=22
